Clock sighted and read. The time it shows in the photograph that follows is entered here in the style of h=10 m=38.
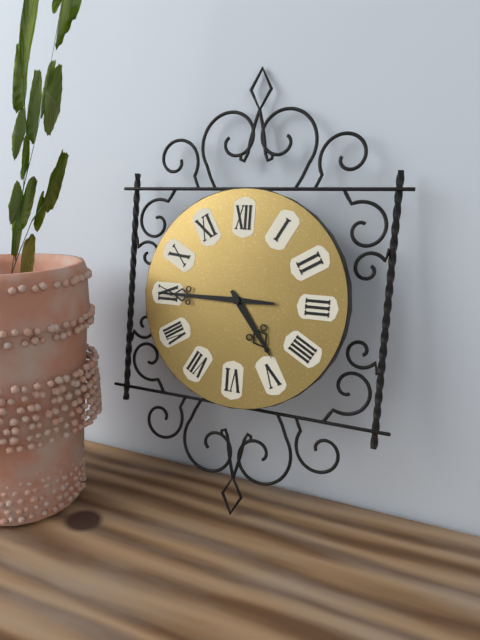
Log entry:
h=4 m=45
